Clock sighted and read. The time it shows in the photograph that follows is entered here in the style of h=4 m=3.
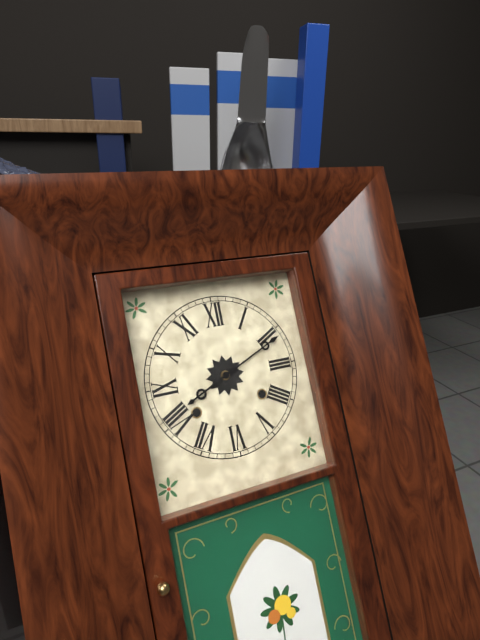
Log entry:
h=8 m=11
